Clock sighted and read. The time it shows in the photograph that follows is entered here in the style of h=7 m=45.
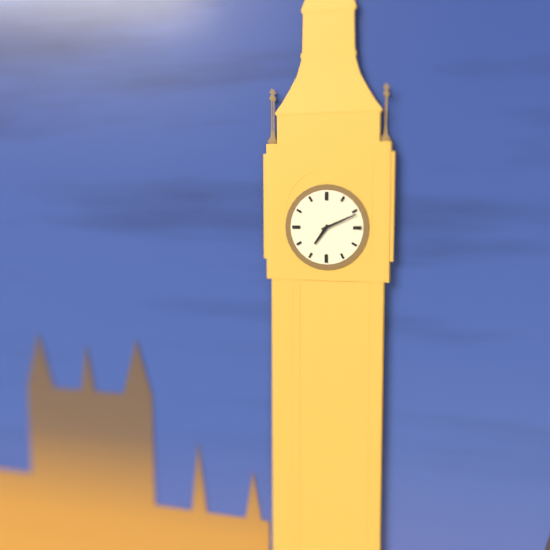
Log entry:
h=7 m=11
